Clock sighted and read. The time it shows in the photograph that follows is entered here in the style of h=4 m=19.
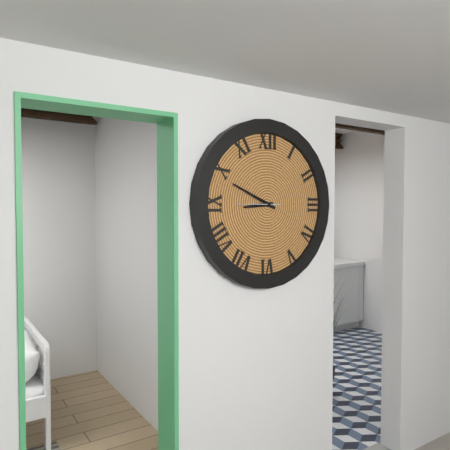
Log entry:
h=8 m=49
